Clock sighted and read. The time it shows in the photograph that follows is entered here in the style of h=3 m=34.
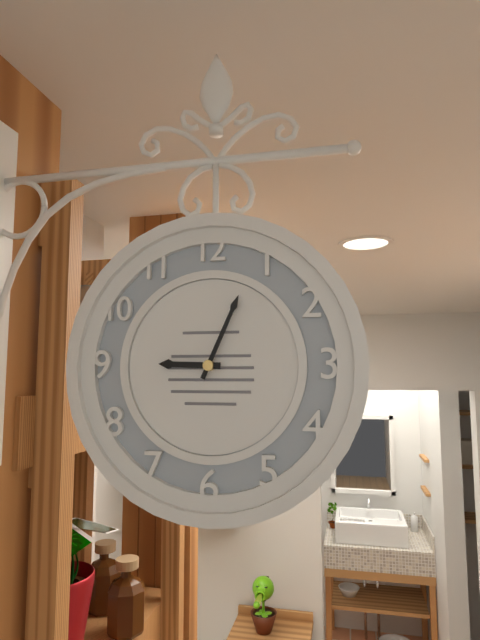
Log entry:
h=9 m=4
